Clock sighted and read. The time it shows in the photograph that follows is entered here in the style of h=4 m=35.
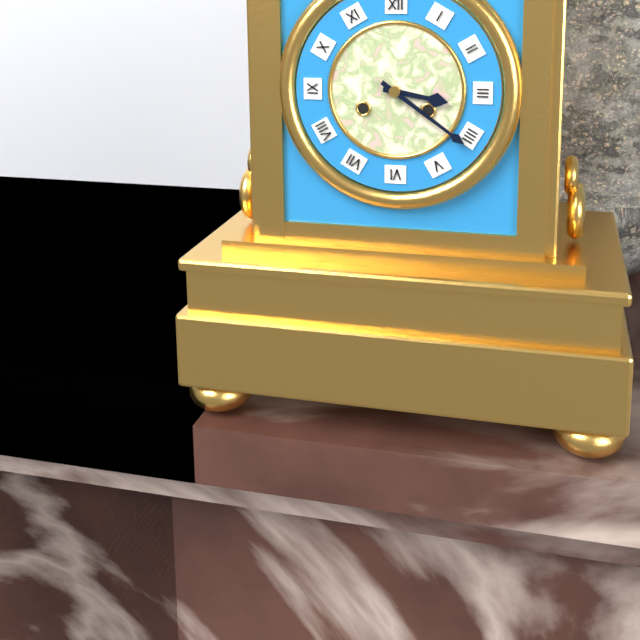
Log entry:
h=3 m=21
